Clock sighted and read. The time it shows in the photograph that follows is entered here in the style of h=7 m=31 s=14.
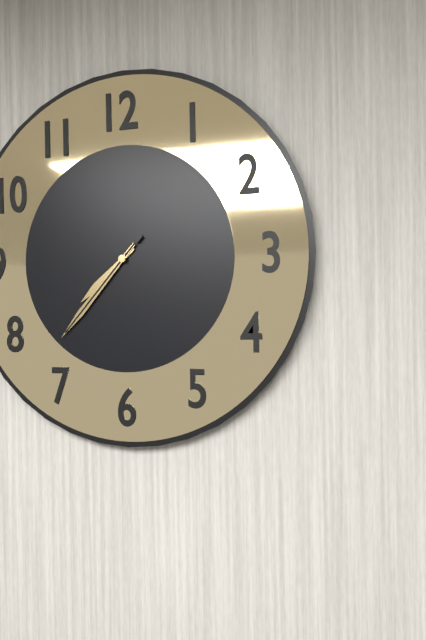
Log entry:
h=7 m=37 s=37
